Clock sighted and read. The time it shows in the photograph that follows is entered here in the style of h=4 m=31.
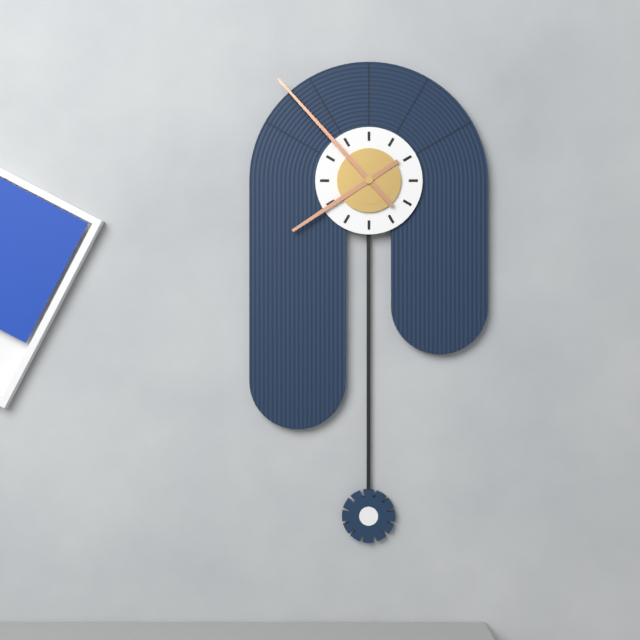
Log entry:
h=7 m=53
